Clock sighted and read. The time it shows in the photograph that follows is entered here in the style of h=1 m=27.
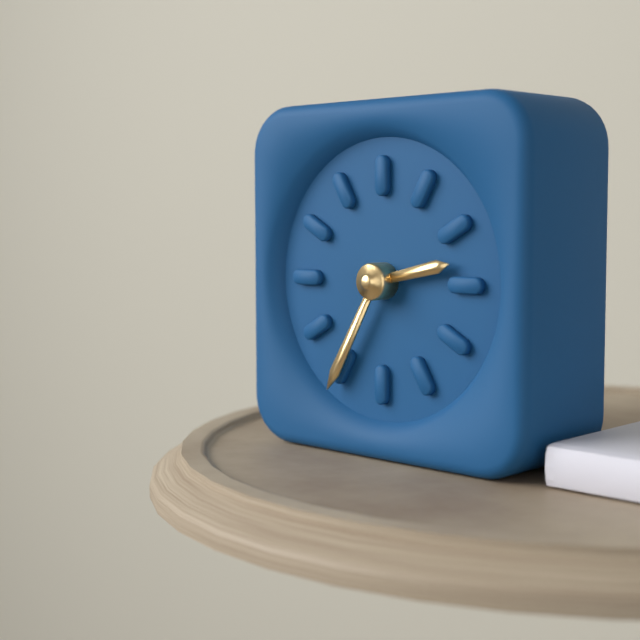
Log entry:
h=2 m=35
